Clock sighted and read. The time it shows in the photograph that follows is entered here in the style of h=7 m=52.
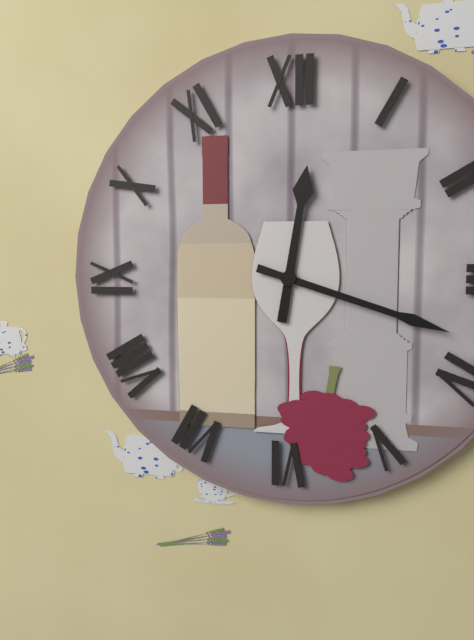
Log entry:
h=12 m=18
